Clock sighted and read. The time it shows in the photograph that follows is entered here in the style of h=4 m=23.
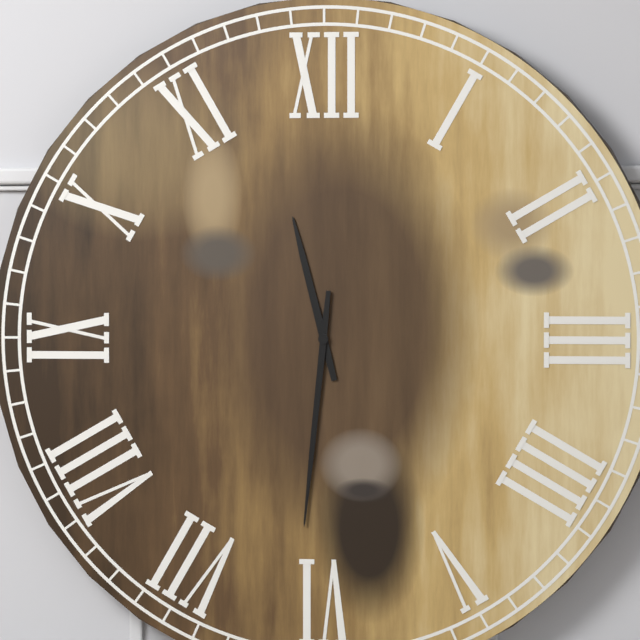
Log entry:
h=11 m=31
